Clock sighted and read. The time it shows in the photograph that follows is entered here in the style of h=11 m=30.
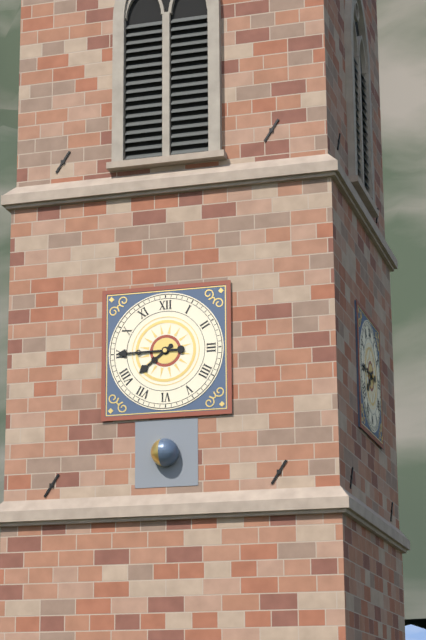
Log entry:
h=7 m=45
